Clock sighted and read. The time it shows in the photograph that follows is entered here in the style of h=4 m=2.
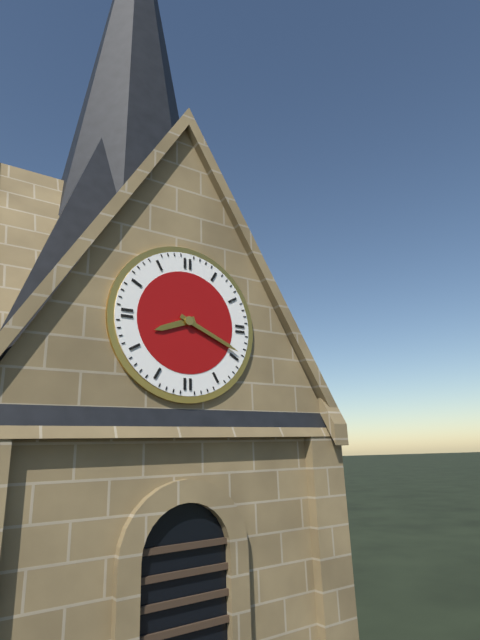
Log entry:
h=8 m=19
